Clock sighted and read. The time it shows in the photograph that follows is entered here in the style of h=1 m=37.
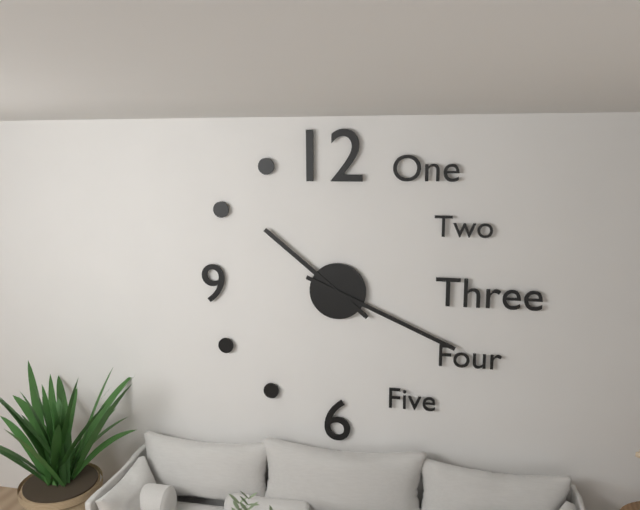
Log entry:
h=10 m=19
